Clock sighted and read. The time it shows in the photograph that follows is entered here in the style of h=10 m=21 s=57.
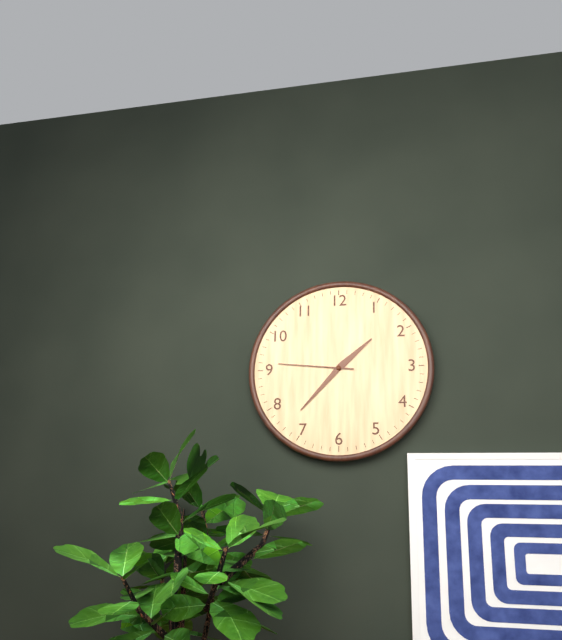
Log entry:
h=1 m=37 s=46
